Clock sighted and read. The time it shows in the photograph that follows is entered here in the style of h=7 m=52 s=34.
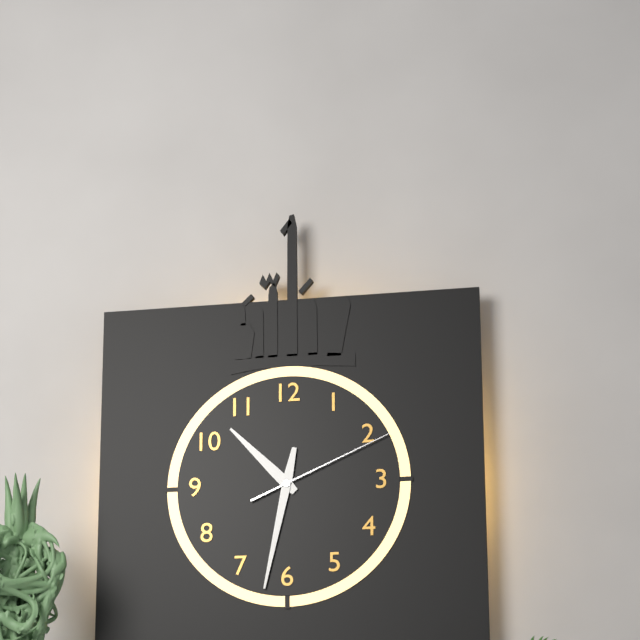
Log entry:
h=10 m=32 s=11
